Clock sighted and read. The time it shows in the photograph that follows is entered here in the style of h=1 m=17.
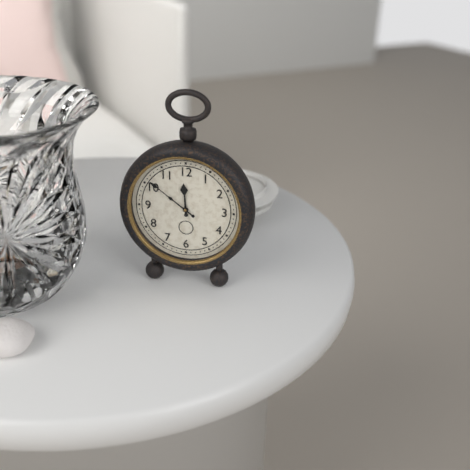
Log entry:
h=11 m=51
